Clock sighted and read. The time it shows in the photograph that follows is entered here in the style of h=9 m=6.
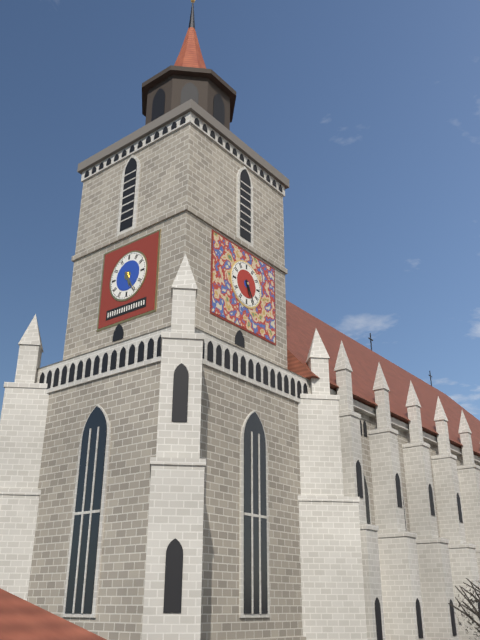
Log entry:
h=5 m=25
